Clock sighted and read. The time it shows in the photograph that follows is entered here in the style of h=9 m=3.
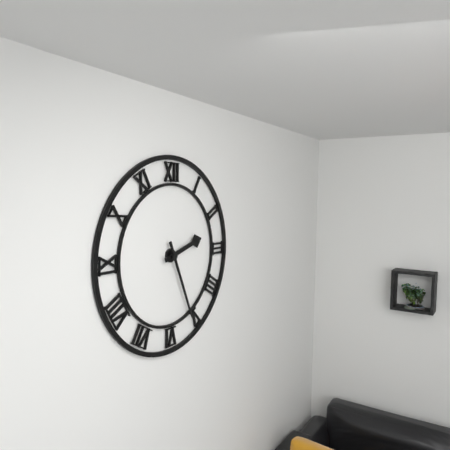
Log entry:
h=2 m=26
